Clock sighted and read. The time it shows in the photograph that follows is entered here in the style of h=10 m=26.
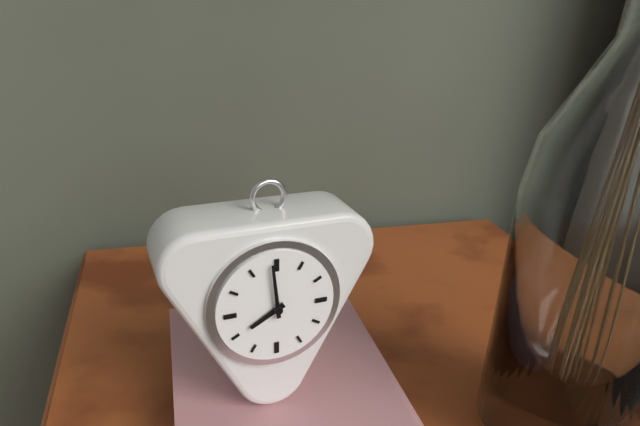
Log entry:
h=7 m=59
